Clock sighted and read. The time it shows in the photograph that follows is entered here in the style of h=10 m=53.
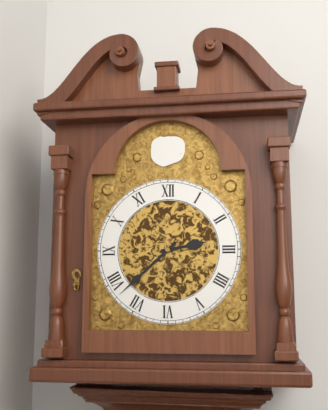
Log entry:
h=2 m=38
